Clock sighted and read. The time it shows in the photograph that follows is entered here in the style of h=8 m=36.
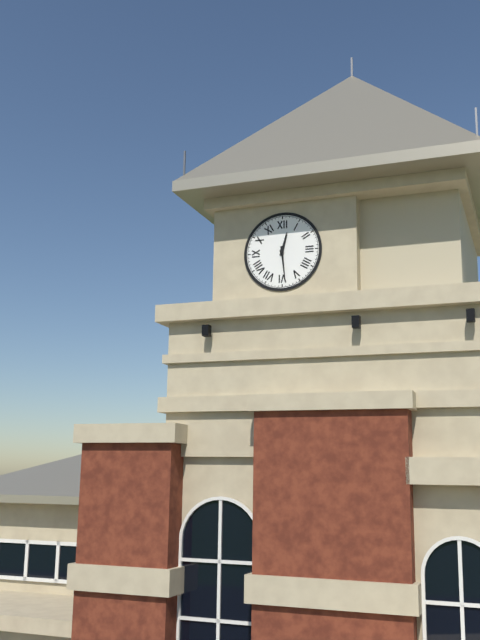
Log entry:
h=12 m=29
